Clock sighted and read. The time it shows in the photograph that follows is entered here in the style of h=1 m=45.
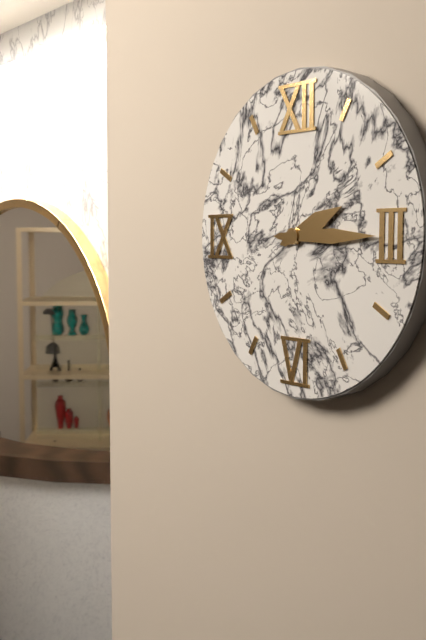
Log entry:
h=2 m=15
